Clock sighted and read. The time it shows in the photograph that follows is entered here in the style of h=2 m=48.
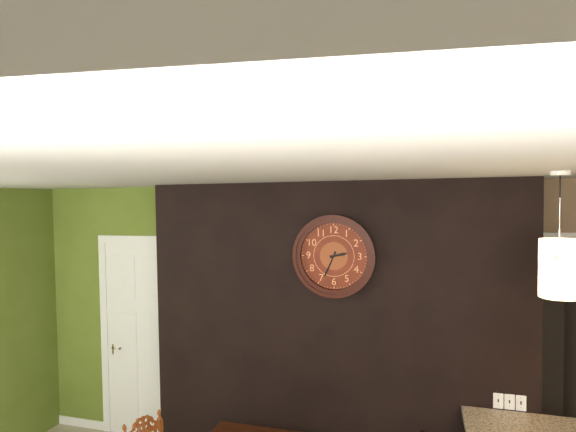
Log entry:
h=2 m=34
